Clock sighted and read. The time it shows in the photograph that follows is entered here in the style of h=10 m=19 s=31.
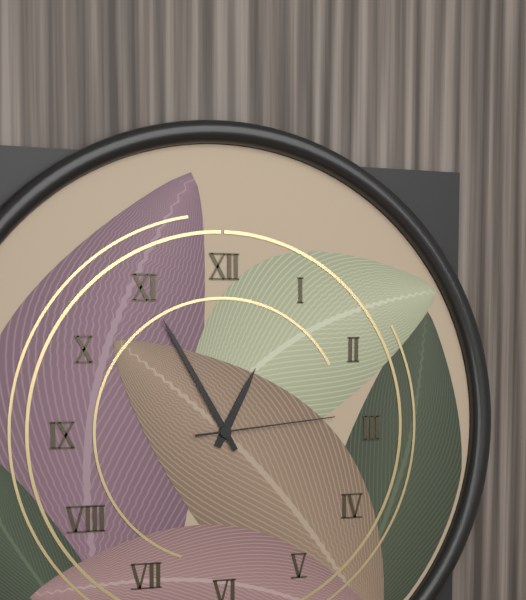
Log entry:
h=12 m=55 s=14
